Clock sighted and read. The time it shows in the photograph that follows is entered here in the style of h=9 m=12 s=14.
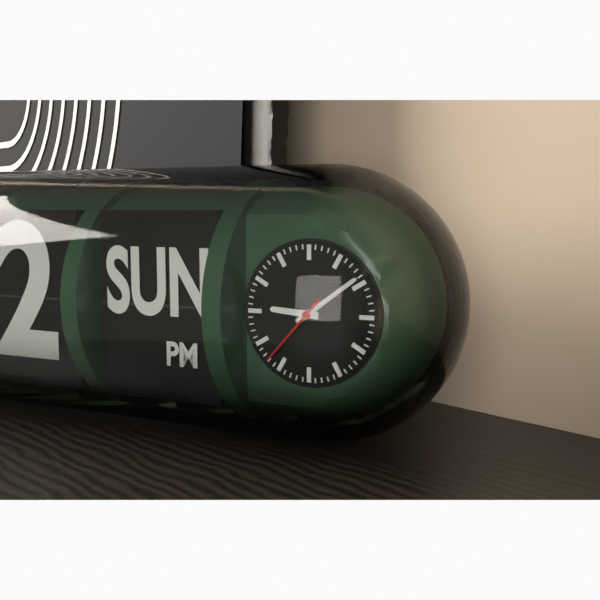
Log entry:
h=9 m=9 s=37
